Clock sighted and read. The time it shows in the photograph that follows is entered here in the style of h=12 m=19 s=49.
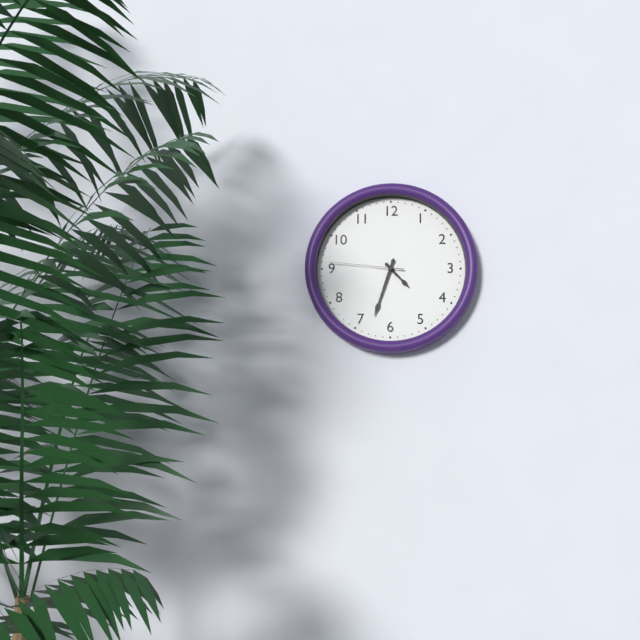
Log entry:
h=4 m=33 s=46
